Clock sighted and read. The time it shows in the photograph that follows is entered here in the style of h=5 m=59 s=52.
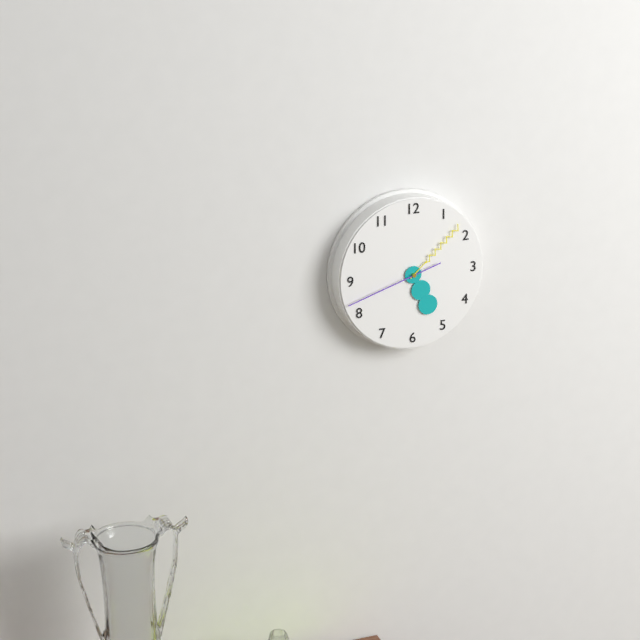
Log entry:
h=5 m=8 s=42
